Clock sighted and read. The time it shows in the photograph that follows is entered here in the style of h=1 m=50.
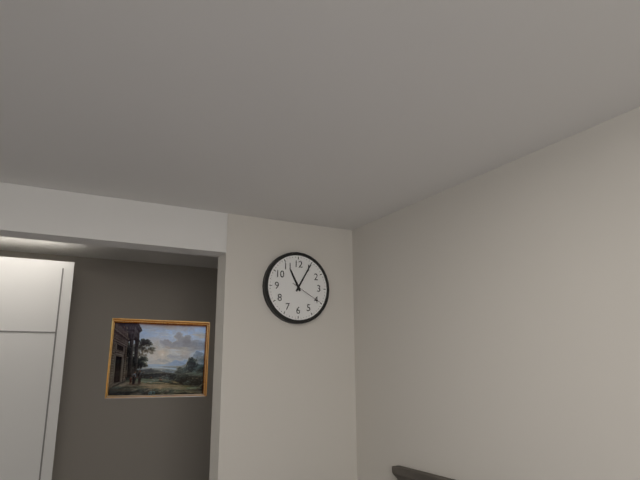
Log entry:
h=11 m=5
